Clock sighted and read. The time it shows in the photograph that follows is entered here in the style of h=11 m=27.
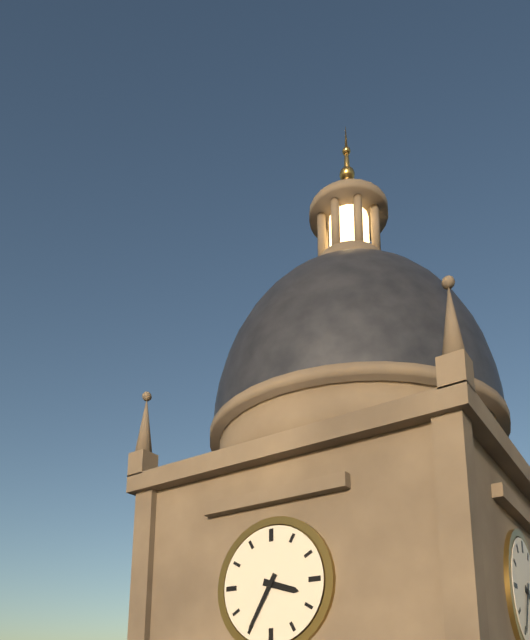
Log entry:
h=3 m=35
